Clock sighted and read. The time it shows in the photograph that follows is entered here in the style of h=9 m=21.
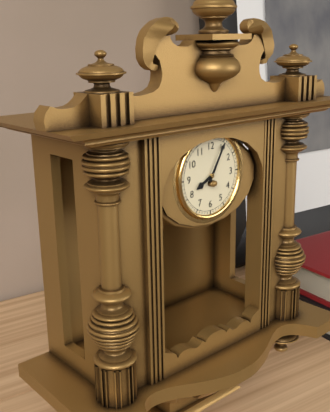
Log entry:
h=8 m=5
